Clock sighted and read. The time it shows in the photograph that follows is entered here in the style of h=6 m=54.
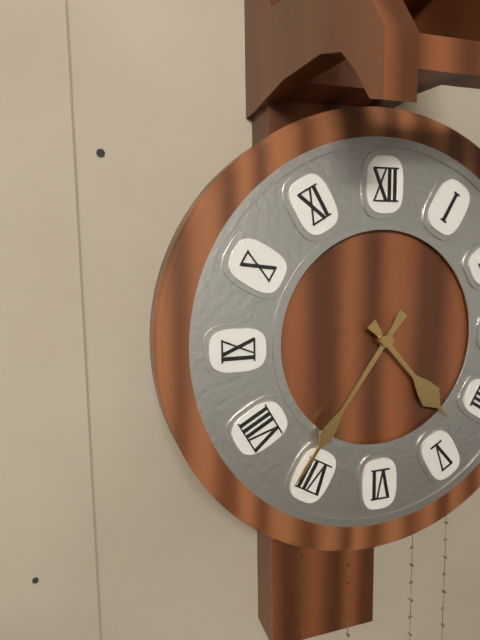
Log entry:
h=4 m=36
